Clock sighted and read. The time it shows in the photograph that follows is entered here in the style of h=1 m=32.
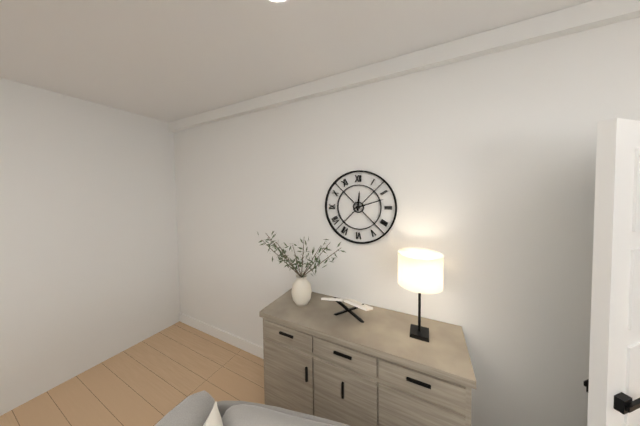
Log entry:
h=12 m=12
